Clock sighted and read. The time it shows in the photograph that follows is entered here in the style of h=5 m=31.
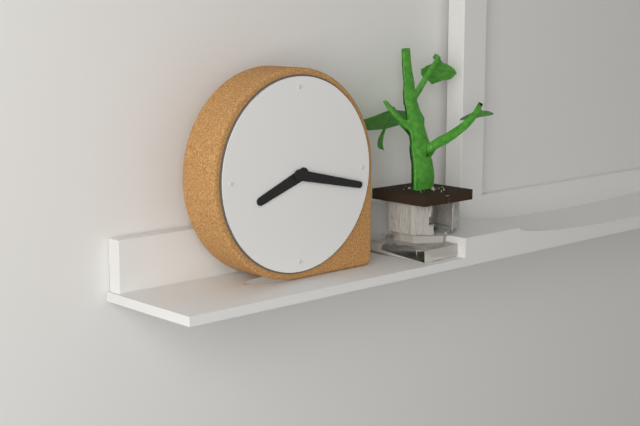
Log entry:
h=8 m=17
